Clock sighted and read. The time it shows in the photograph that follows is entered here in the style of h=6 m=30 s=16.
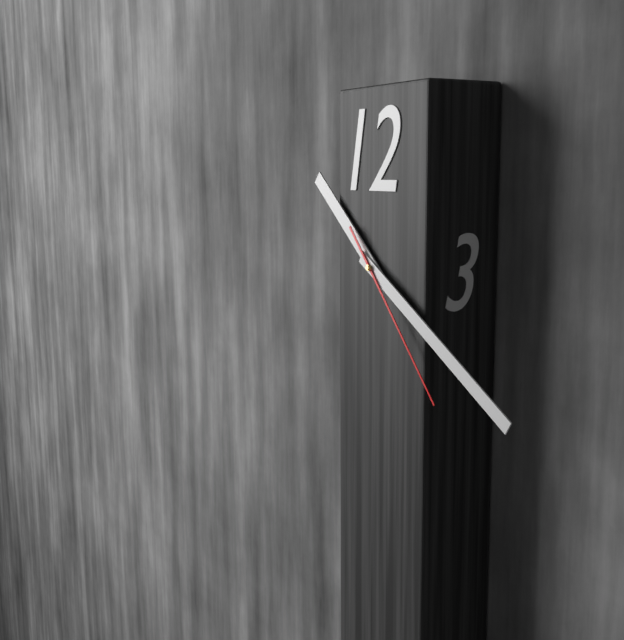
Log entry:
h=10 m=20 s=23
